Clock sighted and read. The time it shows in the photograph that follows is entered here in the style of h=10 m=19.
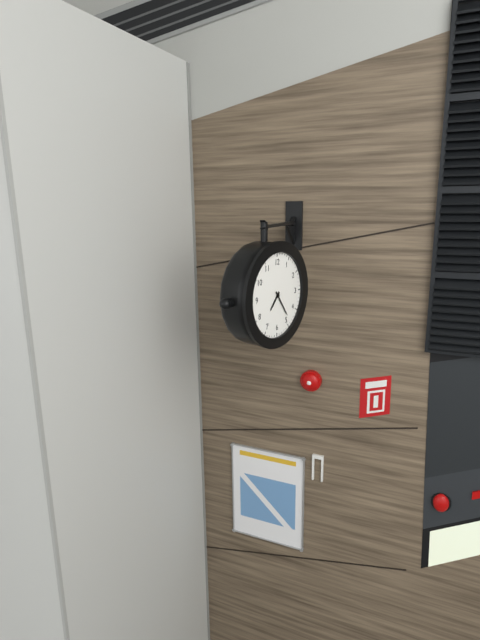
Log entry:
h=7 m=24
